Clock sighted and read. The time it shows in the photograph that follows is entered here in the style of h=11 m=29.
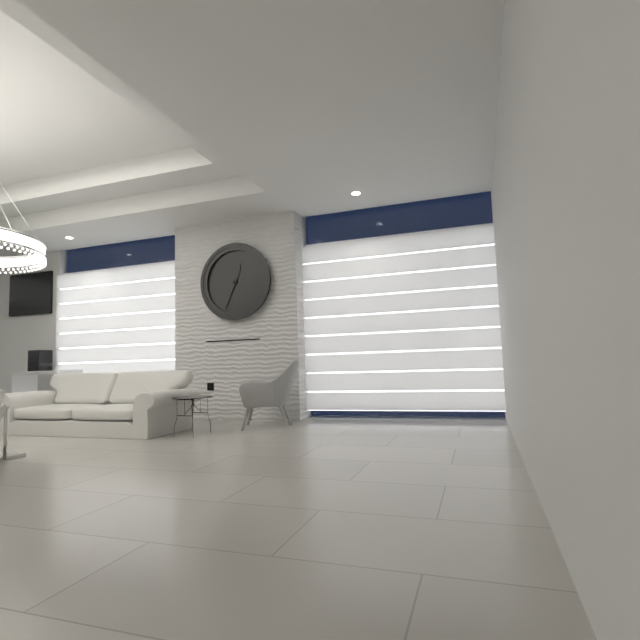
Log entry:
h=12 m=34
